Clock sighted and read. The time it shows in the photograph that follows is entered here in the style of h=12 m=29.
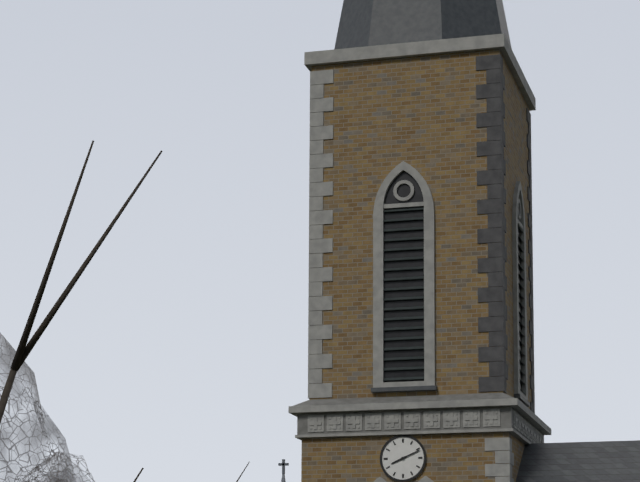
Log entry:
h=8 m=11
